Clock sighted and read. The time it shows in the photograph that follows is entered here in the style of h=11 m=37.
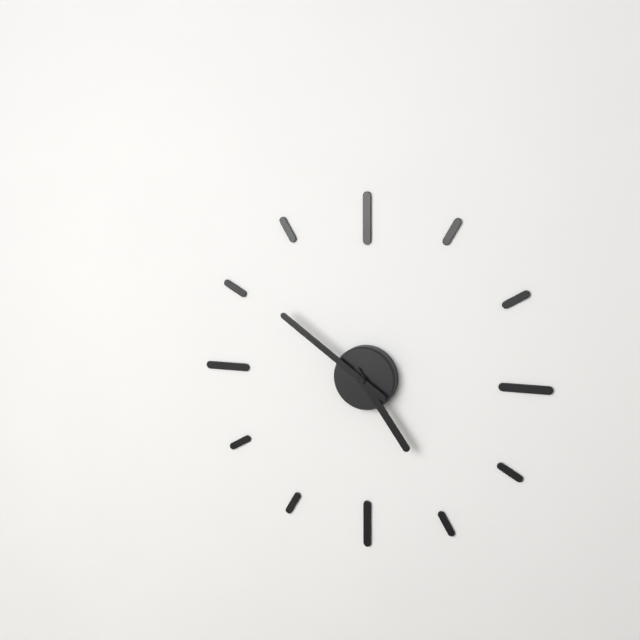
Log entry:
h=4 m=51
